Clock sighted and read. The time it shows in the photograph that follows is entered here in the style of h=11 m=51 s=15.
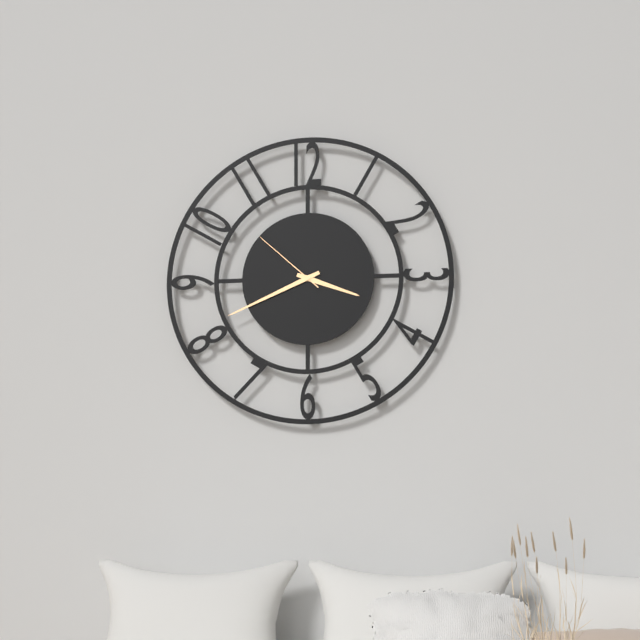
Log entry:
h=3 m=41 s=52
